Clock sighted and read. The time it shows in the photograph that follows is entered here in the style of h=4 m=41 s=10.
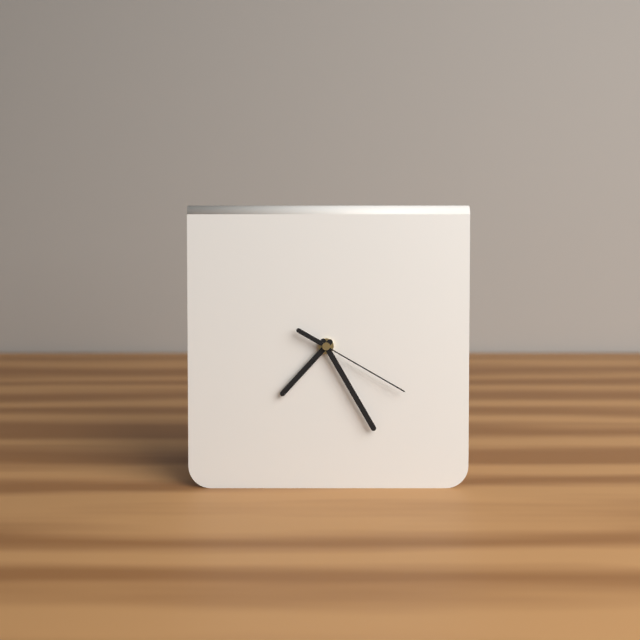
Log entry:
h=7 m=25 s=20
